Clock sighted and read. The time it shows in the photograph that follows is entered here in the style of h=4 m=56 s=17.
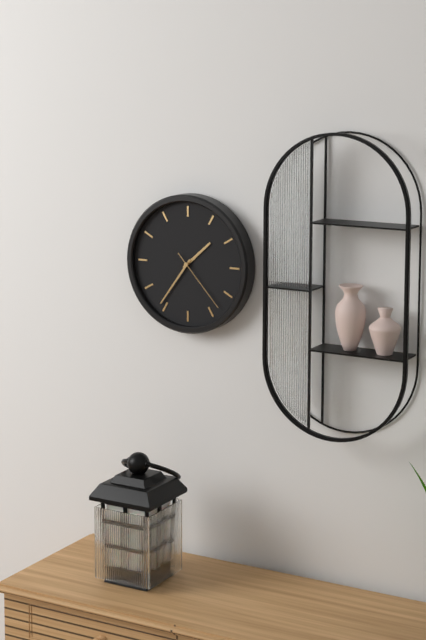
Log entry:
h=1 m=36 s=23
